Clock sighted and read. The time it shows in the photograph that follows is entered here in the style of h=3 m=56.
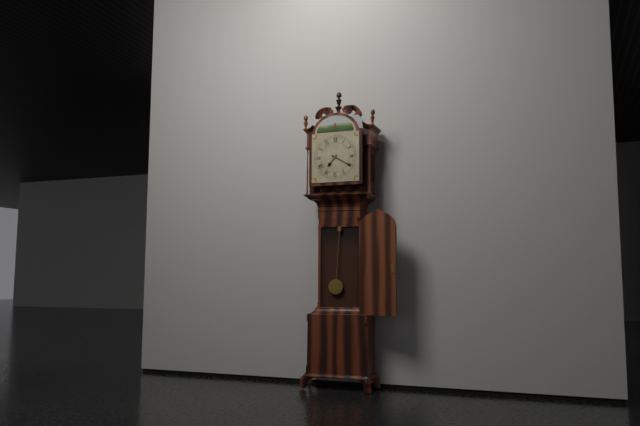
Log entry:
h=7 m=20
